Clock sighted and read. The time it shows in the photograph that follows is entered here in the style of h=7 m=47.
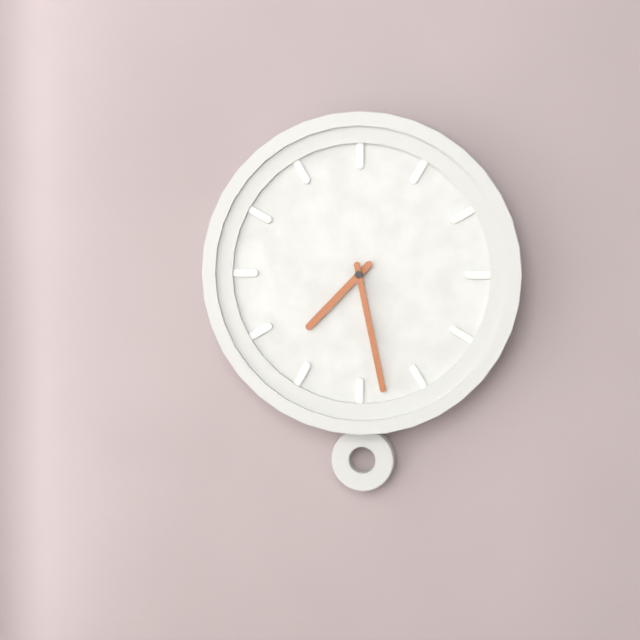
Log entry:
h=7 m=28
